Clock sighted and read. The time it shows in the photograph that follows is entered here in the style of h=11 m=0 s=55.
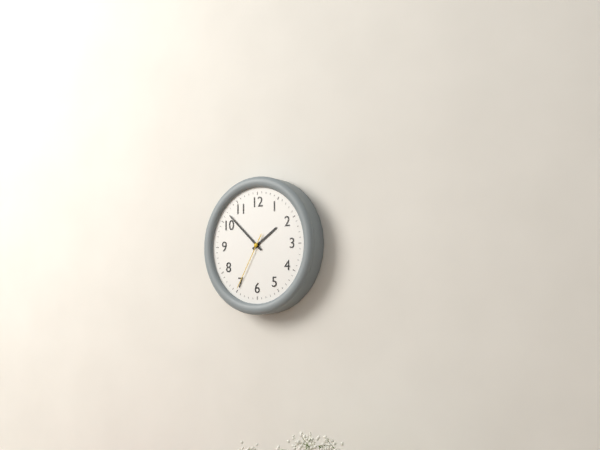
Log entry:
h=1 m=52 s=35
